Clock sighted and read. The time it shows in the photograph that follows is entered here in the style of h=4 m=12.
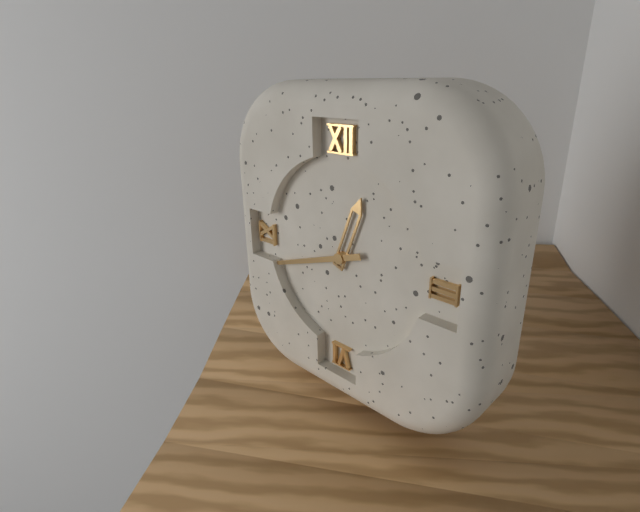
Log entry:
h=12 m=42
